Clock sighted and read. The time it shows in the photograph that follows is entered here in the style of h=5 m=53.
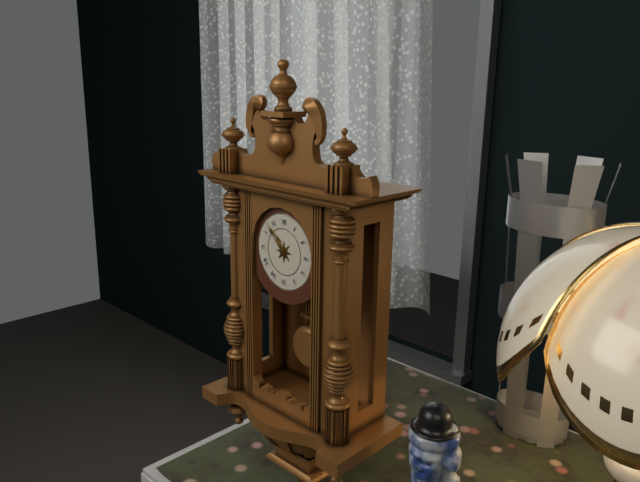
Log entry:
h=10 m=53
